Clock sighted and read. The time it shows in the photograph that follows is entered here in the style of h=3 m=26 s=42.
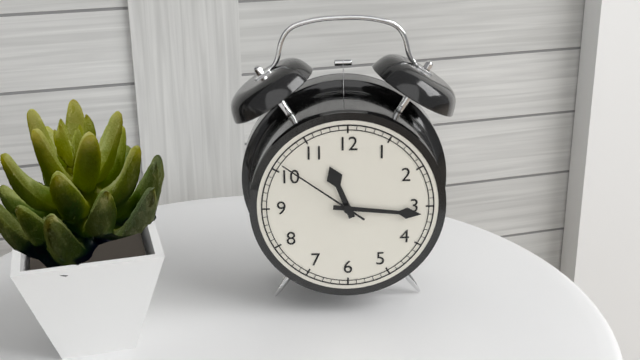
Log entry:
h=11 m=16 s=51
